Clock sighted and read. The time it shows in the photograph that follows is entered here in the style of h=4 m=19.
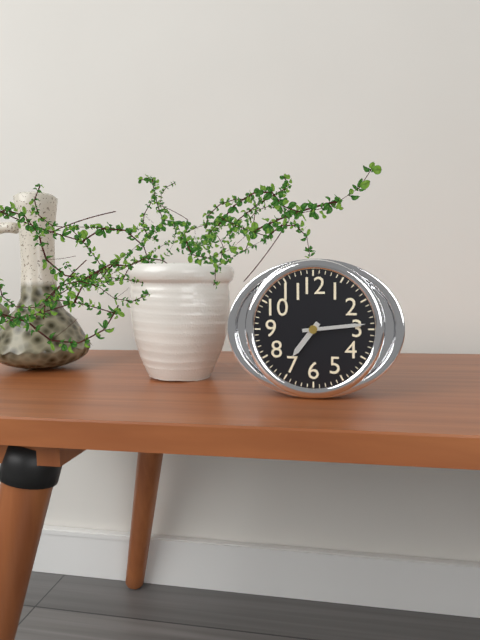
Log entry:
h=7 m=14
